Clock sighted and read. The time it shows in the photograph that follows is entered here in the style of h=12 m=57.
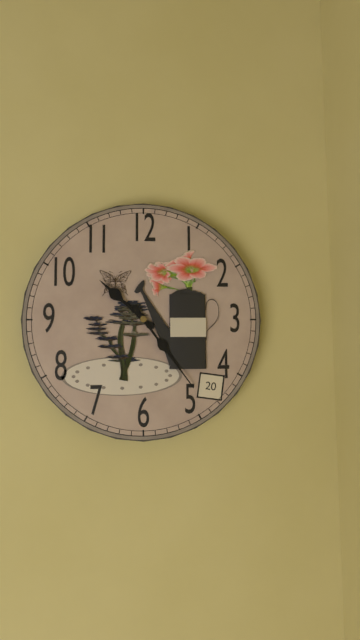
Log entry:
h=10 m=24
